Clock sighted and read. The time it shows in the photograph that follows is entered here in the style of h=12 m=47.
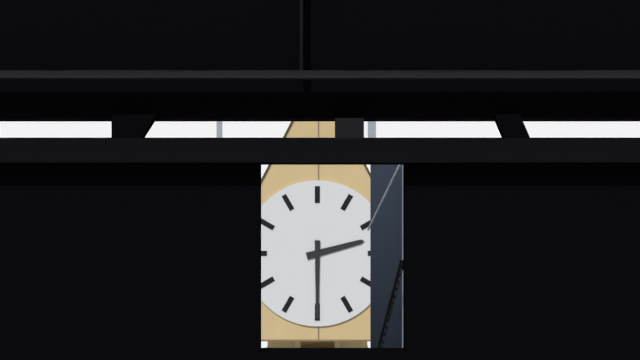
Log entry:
h=2 m=30
